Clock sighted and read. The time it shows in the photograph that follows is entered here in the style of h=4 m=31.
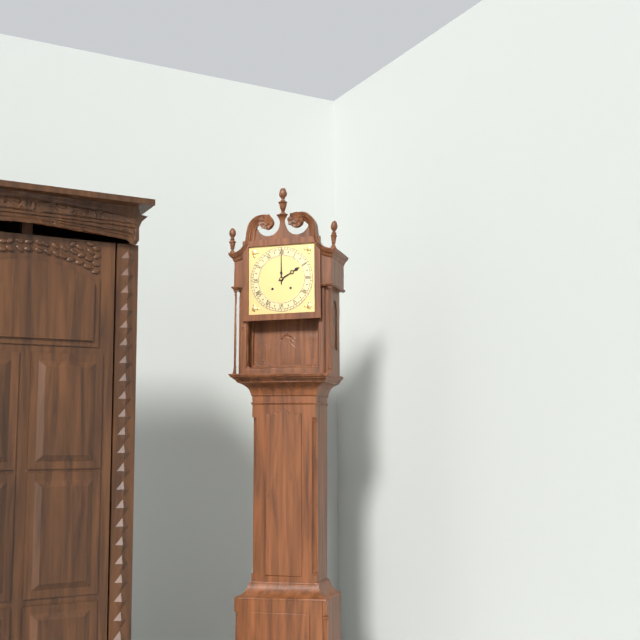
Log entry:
h=2 m=0
